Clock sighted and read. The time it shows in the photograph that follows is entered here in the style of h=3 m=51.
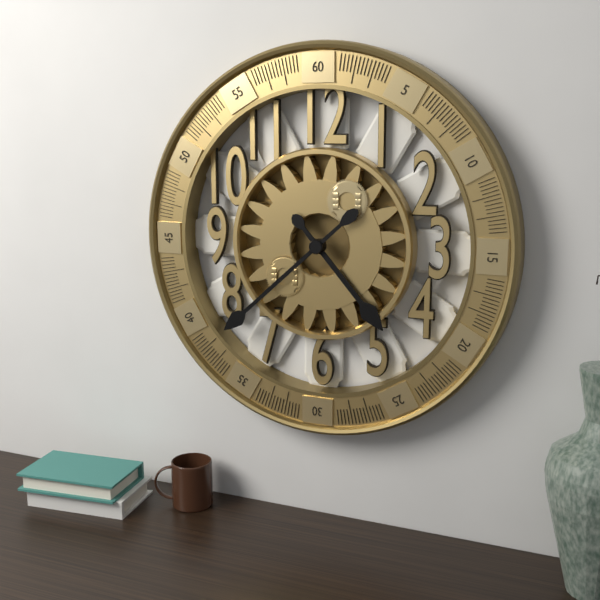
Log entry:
h=4 m=38
